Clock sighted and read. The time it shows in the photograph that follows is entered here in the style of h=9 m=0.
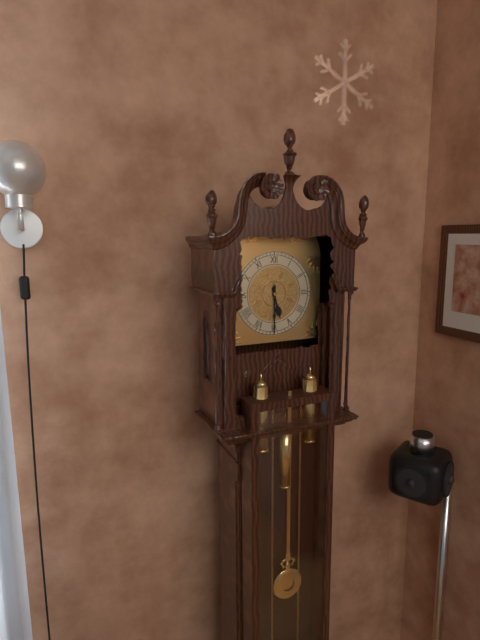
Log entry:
h=5 m=30
